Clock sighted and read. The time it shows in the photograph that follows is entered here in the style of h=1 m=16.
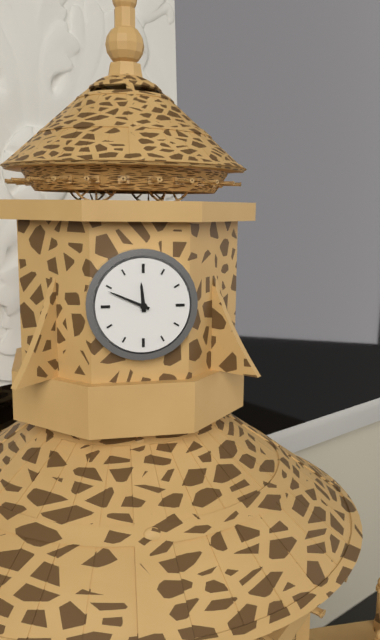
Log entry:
h=11 m=49
